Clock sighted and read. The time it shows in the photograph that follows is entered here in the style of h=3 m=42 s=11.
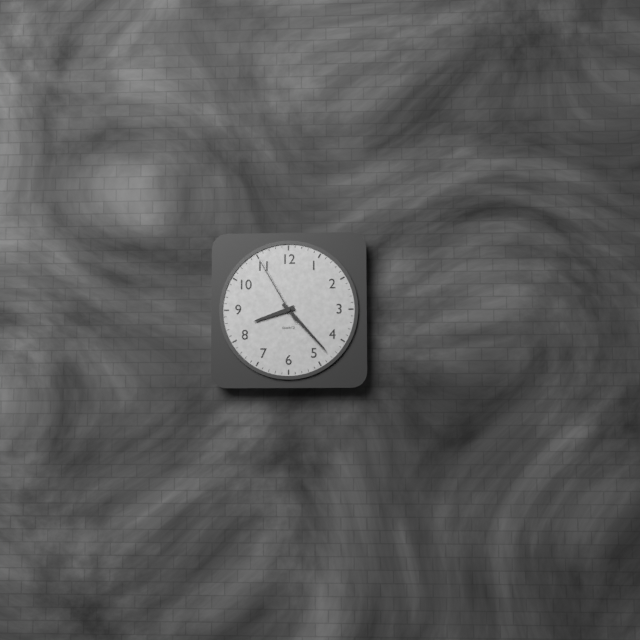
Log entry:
h=8 m=23 s=55
